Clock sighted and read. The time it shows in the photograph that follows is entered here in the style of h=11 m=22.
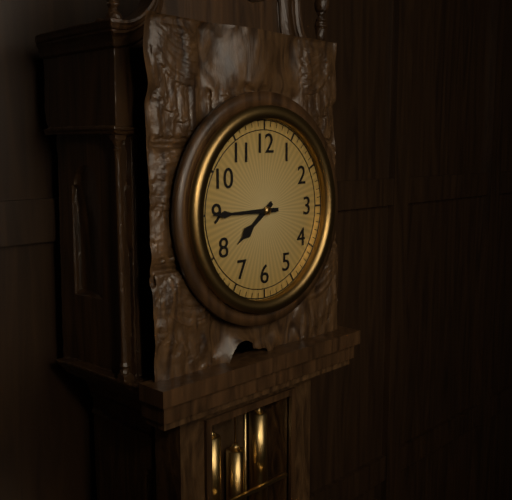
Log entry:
h=7 m=45
